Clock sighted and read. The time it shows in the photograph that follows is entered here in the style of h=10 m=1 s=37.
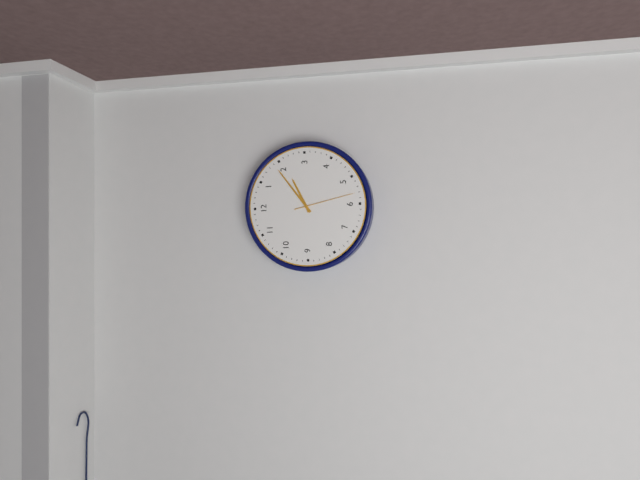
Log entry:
h=2 m=9 s=28
